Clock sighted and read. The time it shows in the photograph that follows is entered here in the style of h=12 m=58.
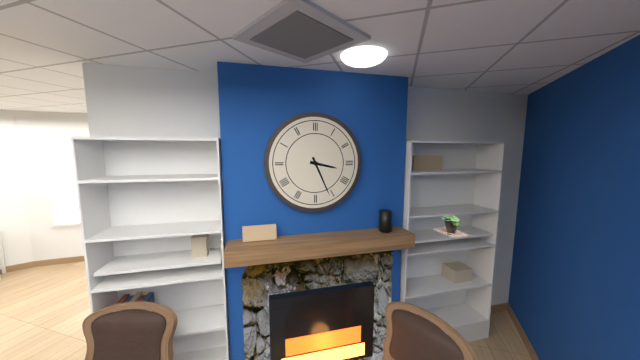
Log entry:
h=3 m=26
